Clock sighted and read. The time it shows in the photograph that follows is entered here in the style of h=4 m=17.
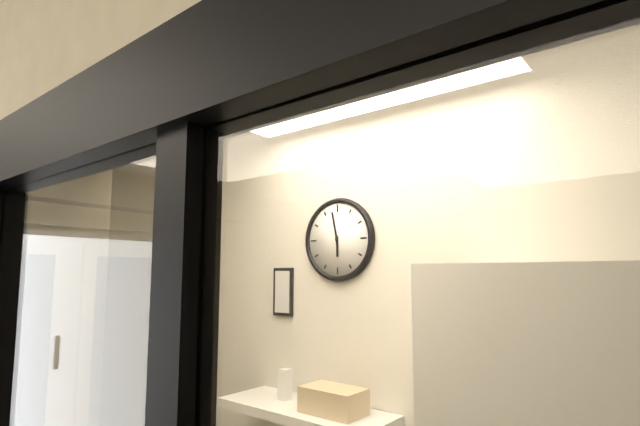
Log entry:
h=5 m=58
